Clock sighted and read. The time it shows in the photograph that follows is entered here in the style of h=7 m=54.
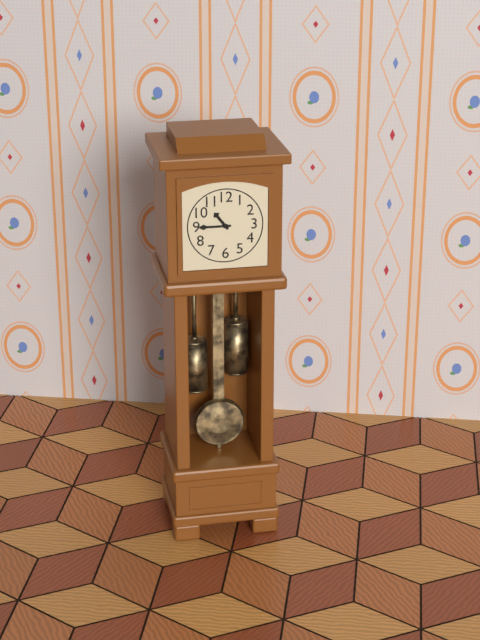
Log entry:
h=10 m=45
